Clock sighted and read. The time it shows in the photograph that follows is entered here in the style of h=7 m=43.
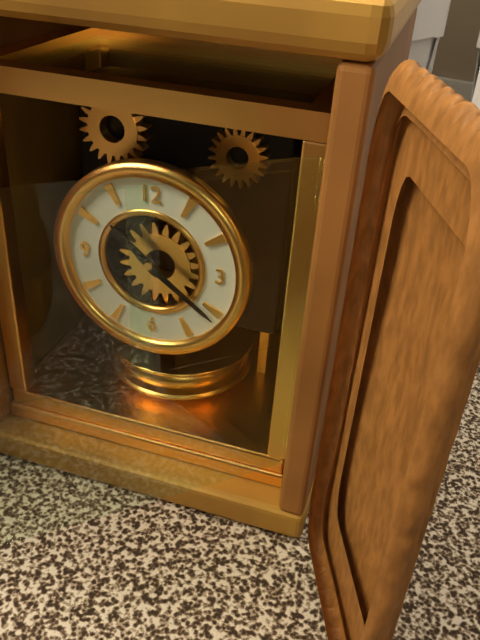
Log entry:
h=10 m=21
